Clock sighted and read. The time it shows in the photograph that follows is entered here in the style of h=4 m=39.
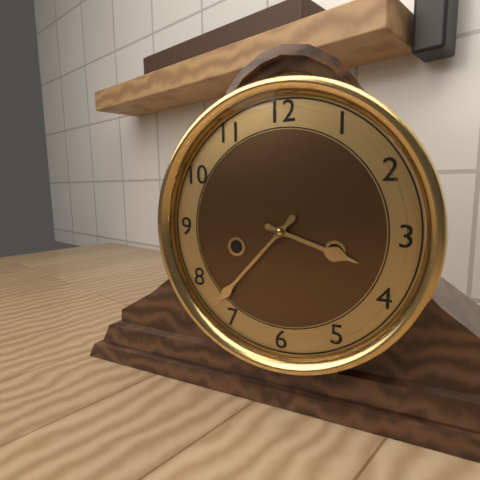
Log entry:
h=3 m=37
